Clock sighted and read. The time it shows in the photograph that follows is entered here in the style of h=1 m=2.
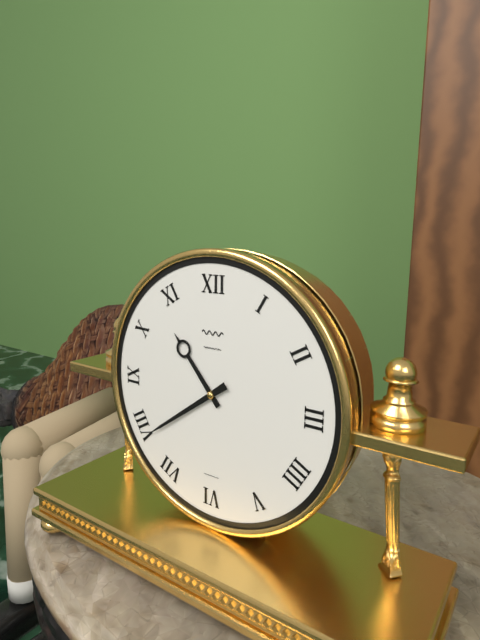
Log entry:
h=10 m=39
